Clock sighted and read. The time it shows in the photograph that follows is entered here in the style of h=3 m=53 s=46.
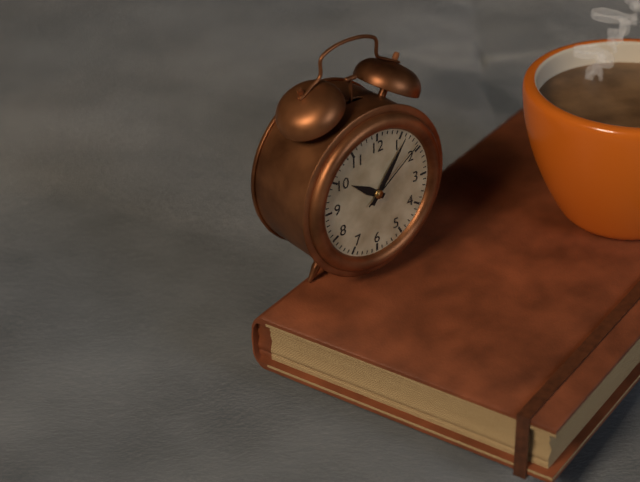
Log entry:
h=10 m=6 s=9
